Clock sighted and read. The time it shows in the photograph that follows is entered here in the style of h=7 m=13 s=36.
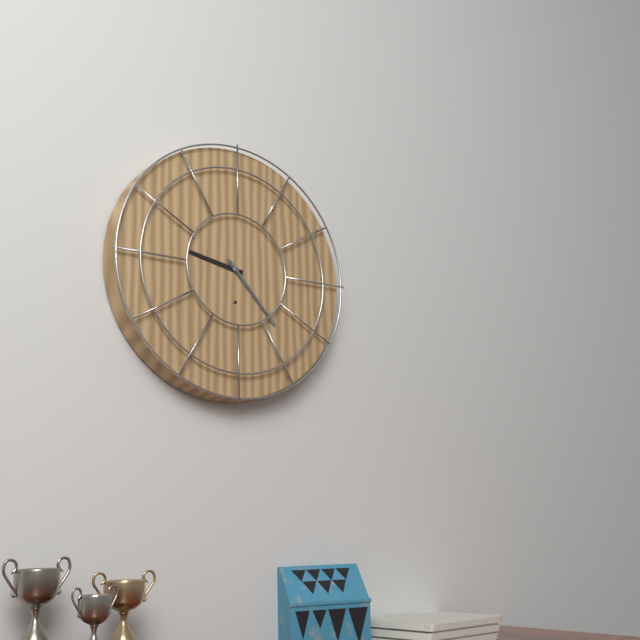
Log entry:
h=9 m=23 s=23
